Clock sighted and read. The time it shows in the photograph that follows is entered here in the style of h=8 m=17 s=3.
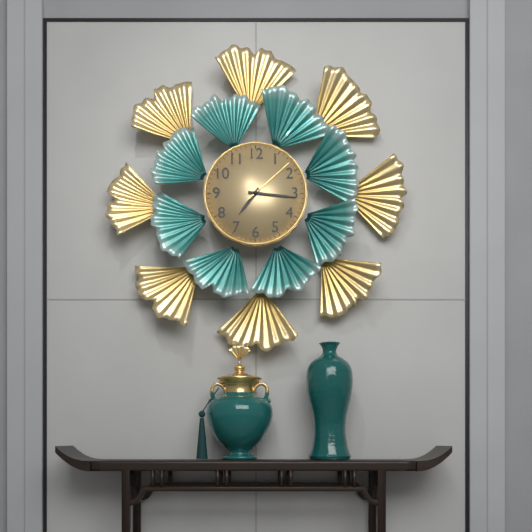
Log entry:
h=7 m=16 s=8
